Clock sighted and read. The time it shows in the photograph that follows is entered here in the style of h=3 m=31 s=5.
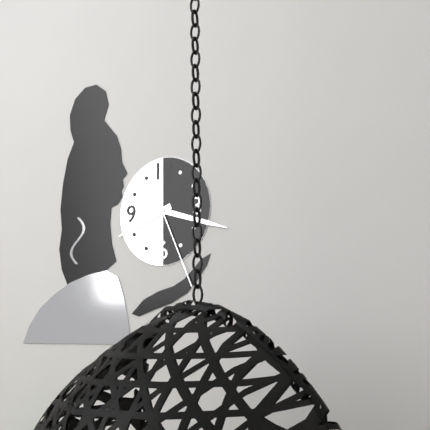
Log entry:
h=8 m=18 s=26
